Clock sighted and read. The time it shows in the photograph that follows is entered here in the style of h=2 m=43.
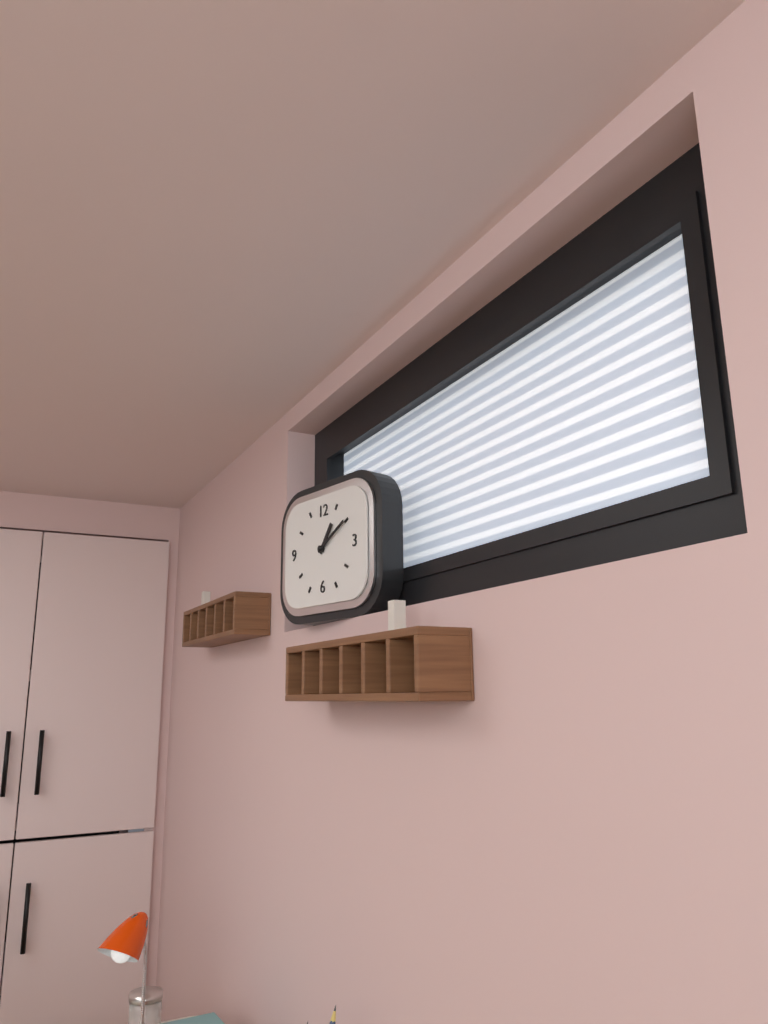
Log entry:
h=1 m=10
